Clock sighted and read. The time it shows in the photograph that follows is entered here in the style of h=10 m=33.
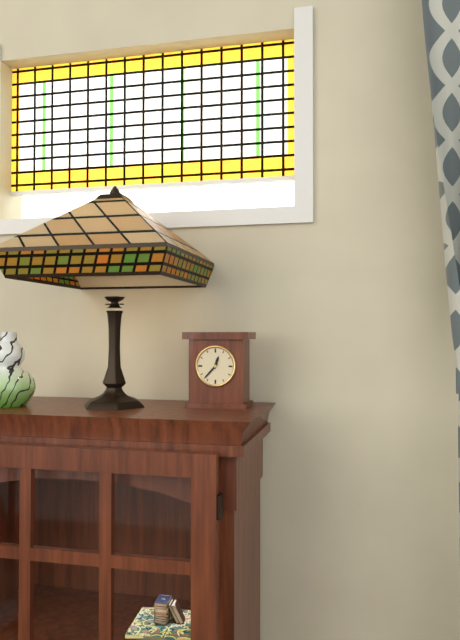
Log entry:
h=12 m=37
